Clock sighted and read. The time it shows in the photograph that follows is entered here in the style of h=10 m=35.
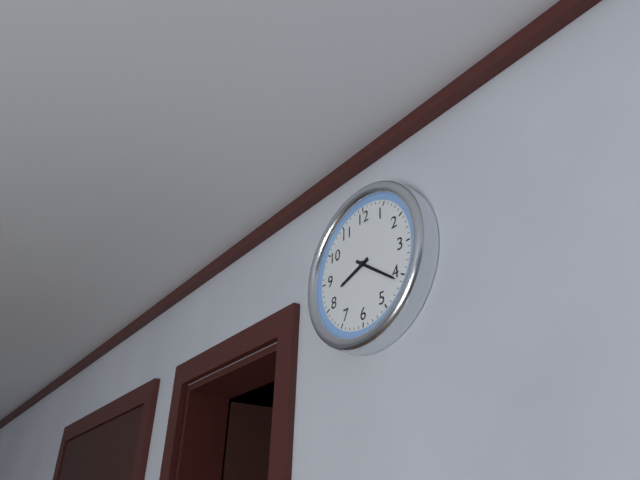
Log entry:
h=8 m=21
